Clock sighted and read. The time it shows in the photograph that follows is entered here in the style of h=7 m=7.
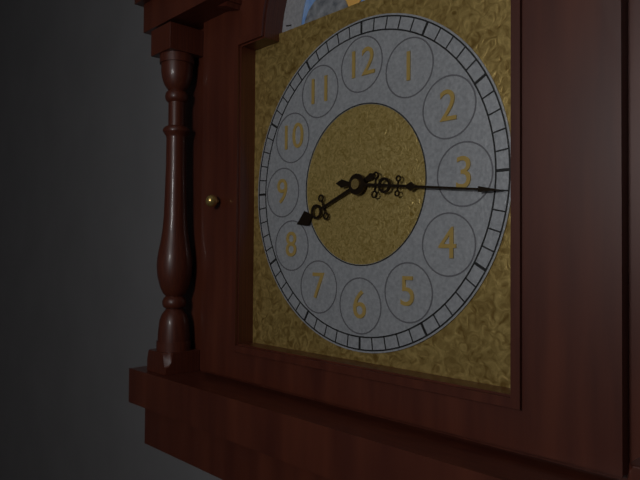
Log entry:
h=8 m=16
